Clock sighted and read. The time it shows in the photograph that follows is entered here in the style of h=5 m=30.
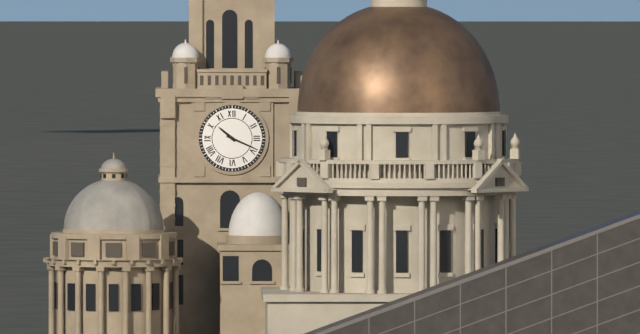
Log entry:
h=10 m=19
